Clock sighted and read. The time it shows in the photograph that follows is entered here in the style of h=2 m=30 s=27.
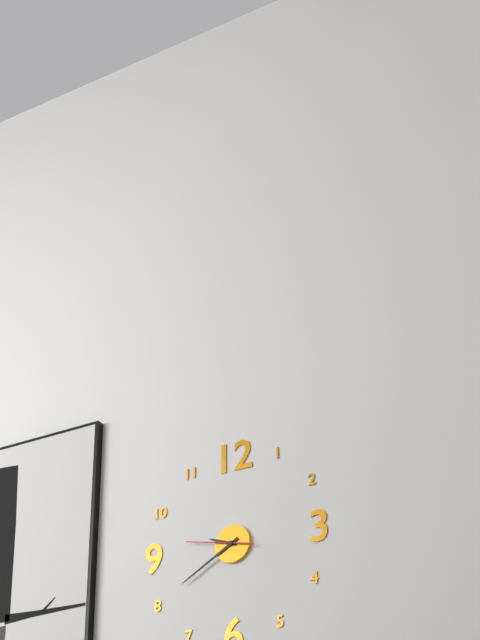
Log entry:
h=9 m=40 s=47
